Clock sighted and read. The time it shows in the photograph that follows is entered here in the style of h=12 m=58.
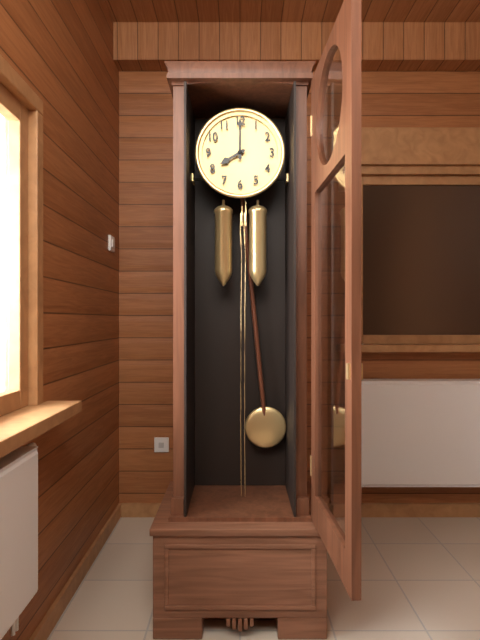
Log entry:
h=8 m=0
